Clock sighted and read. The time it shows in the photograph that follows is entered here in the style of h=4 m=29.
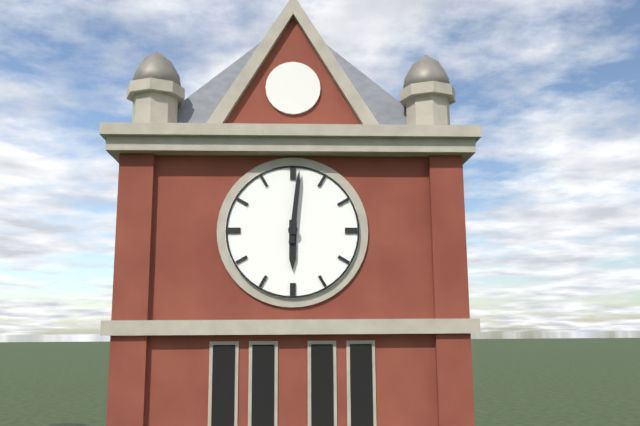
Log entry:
h=6 m=1
